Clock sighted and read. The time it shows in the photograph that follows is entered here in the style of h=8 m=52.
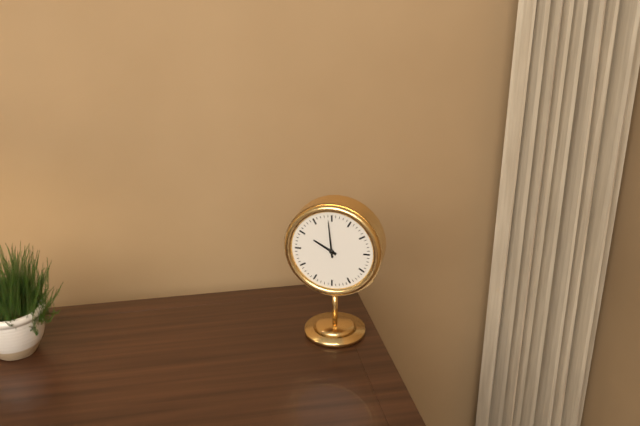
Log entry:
h=9 m=59
